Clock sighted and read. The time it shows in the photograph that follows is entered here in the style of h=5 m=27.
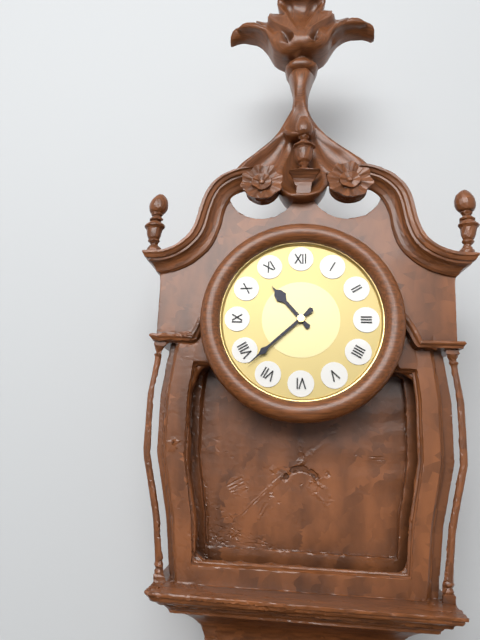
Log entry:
h=10 m=38
